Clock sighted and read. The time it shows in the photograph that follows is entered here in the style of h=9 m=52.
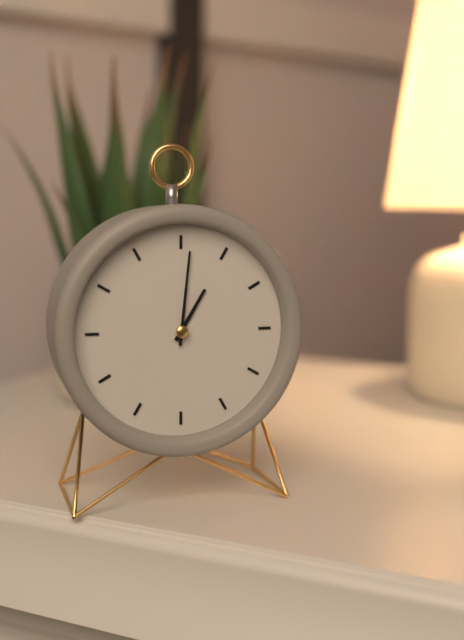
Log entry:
h=1 m=1
